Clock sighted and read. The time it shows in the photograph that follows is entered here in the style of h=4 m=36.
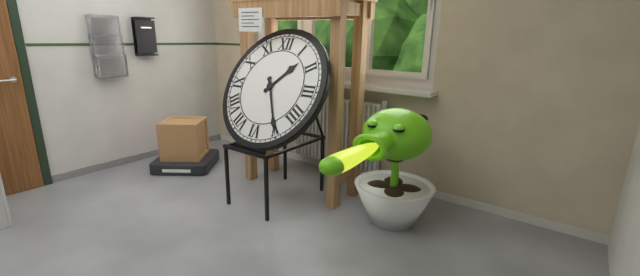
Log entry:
h=1 m=25
